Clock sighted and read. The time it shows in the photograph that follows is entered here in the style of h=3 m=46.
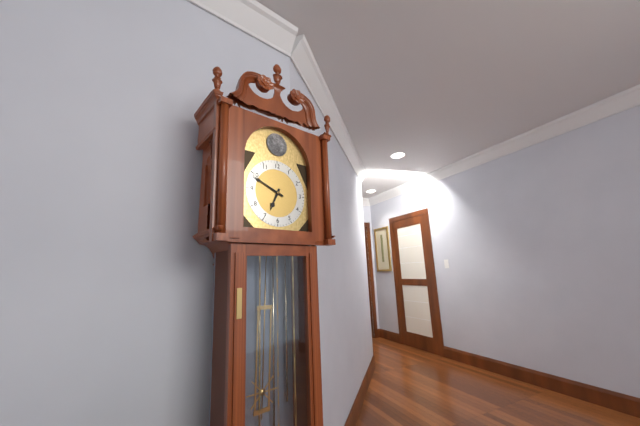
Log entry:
h=6 m=49
